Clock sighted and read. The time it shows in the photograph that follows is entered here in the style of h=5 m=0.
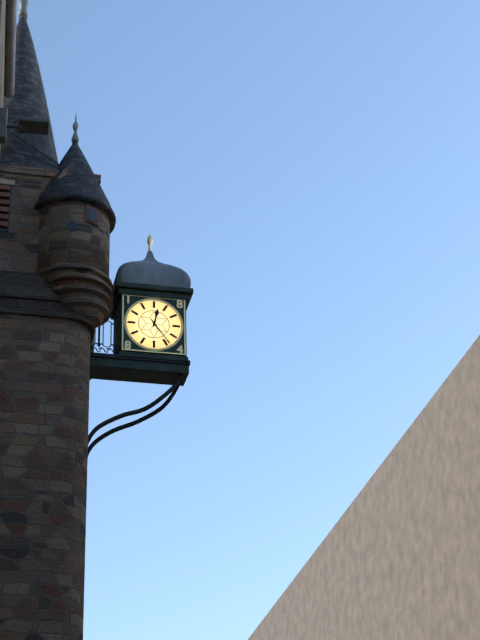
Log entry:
h=12 m=24
